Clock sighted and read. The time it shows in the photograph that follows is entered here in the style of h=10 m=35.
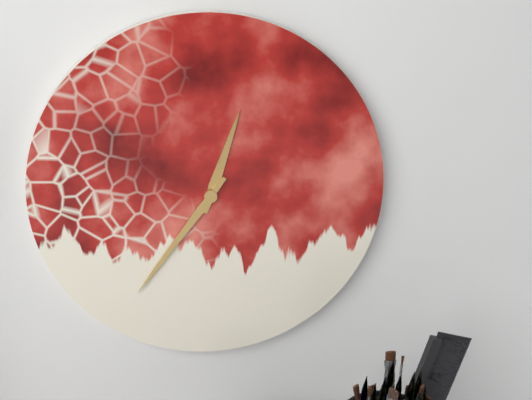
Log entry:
h=12 m=36
